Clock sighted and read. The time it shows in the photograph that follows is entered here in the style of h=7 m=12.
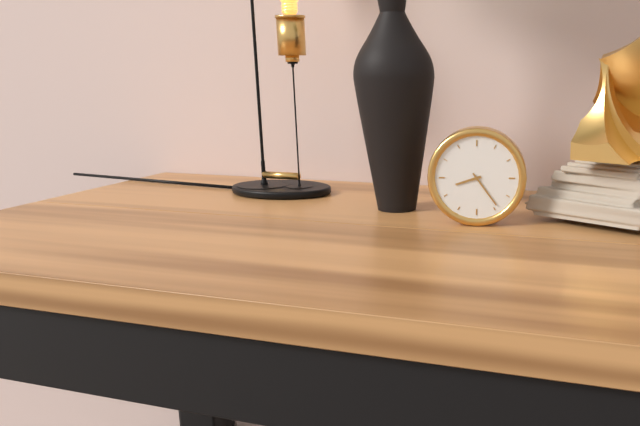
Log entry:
h=8 m=24
